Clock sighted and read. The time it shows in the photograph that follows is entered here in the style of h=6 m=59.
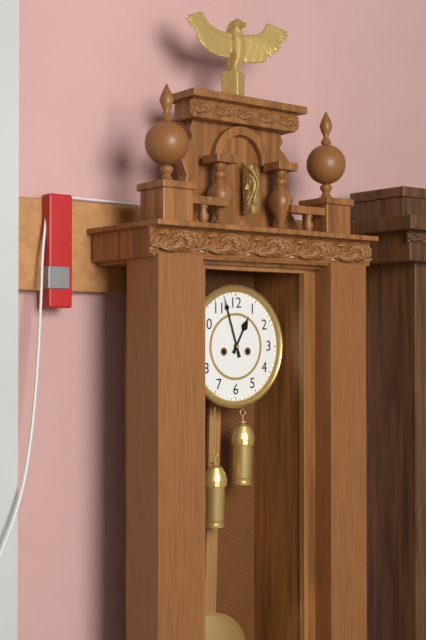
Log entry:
h=12 m=57
